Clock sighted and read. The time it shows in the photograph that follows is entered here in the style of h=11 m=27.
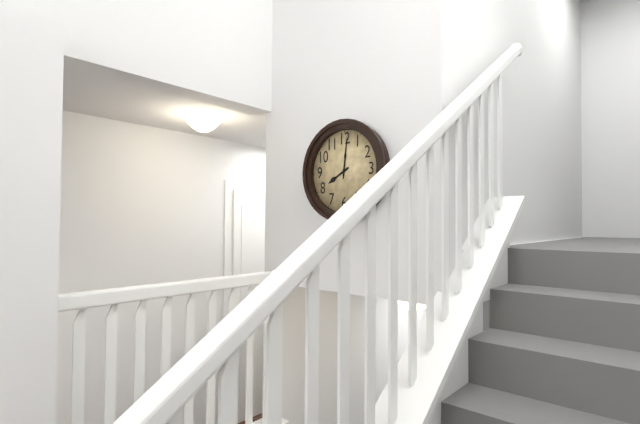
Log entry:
h=8 m=1
